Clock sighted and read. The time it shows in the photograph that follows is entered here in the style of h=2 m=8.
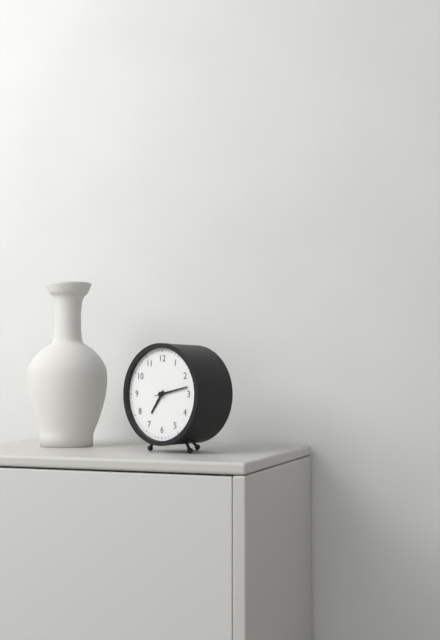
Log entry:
h=7 m=13
